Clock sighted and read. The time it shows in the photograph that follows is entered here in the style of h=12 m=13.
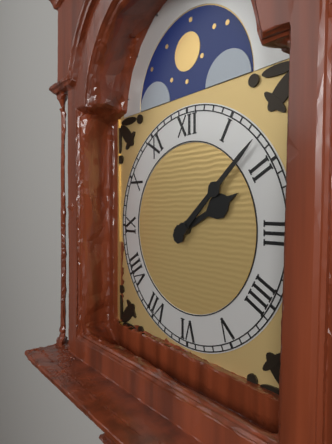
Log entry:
h=2 m=8
